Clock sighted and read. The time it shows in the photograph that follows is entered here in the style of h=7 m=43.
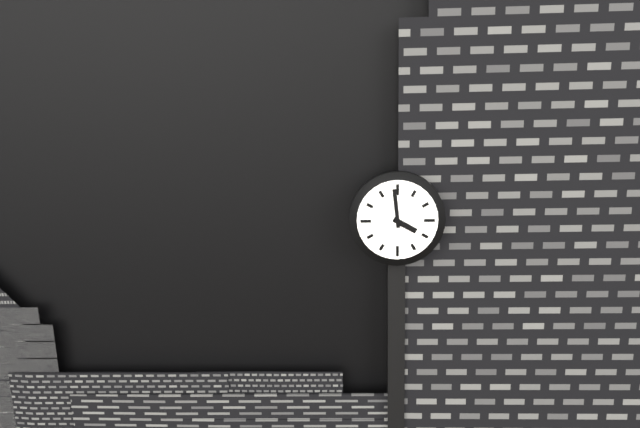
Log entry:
h=3 m=59
